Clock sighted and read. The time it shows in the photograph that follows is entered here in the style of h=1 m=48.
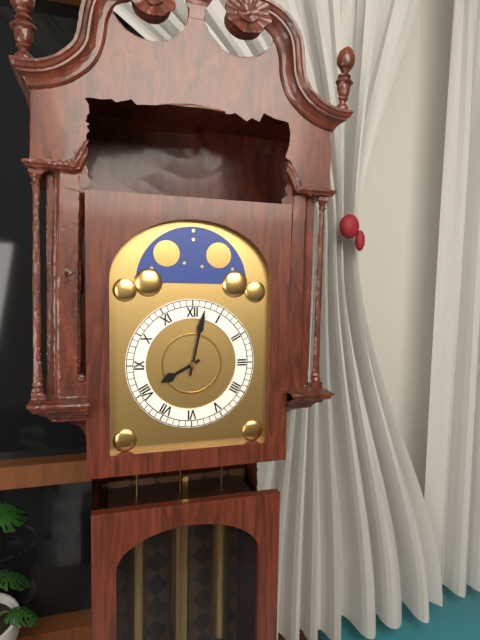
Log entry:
h=8 m=2
